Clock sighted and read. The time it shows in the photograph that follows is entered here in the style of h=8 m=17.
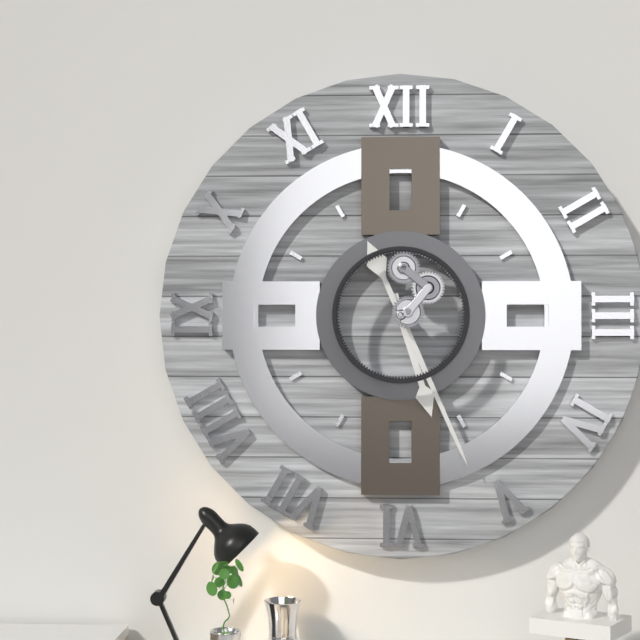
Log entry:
h=5 m=26
